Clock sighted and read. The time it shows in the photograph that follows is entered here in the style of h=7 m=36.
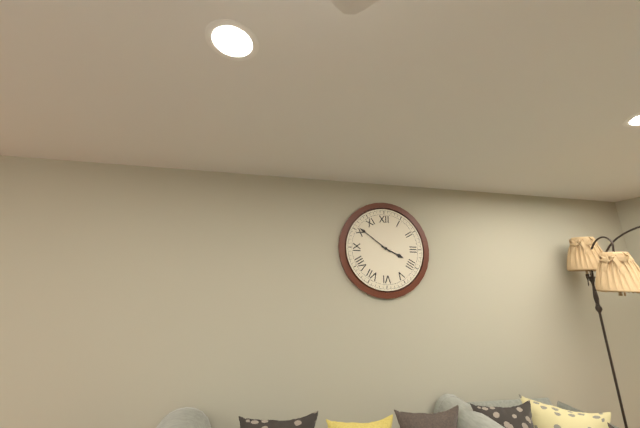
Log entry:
h=3 m=51
